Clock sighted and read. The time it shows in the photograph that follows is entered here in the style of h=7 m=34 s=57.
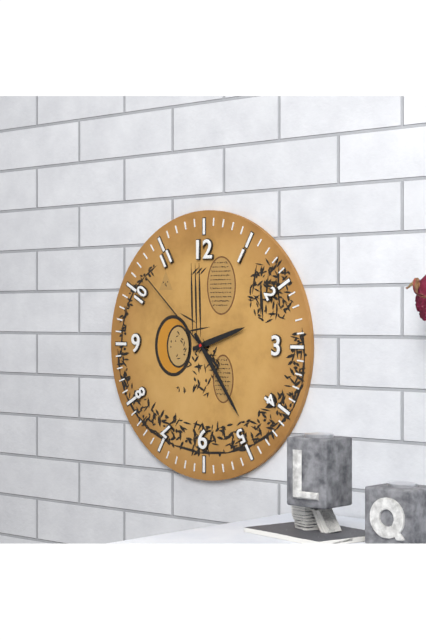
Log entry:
h=2 m=24 s=52
